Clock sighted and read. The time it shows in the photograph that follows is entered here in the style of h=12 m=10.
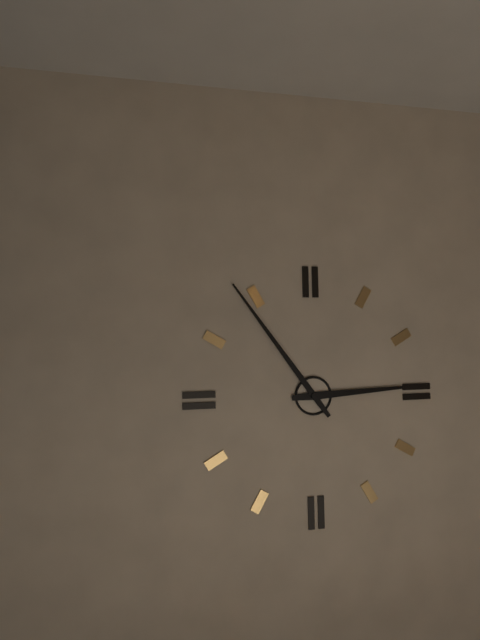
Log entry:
h=2 m=54
